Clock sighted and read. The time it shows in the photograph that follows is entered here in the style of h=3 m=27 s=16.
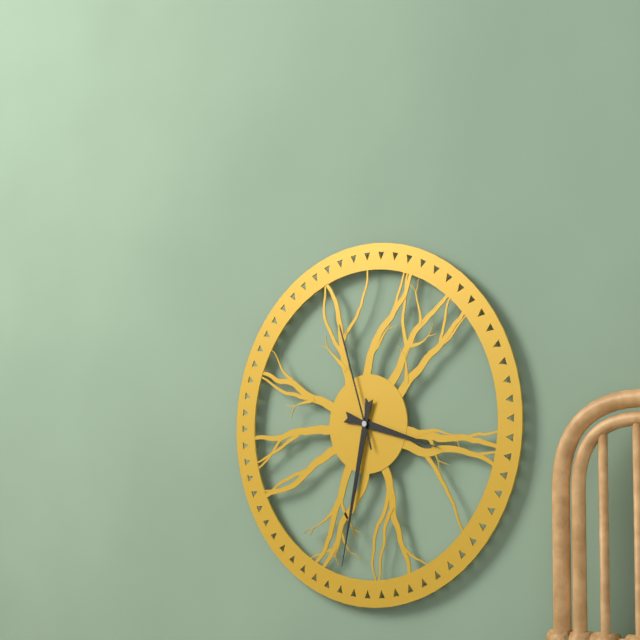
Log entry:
h=3 m=32 s=57
